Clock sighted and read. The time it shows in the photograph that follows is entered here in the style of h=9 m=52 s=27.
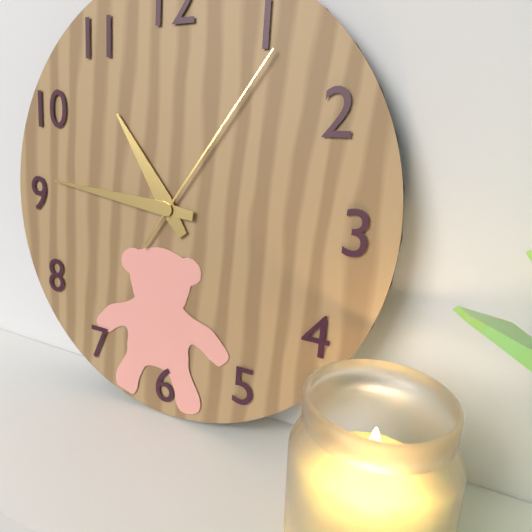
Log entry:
h=10 m=46 s=6
